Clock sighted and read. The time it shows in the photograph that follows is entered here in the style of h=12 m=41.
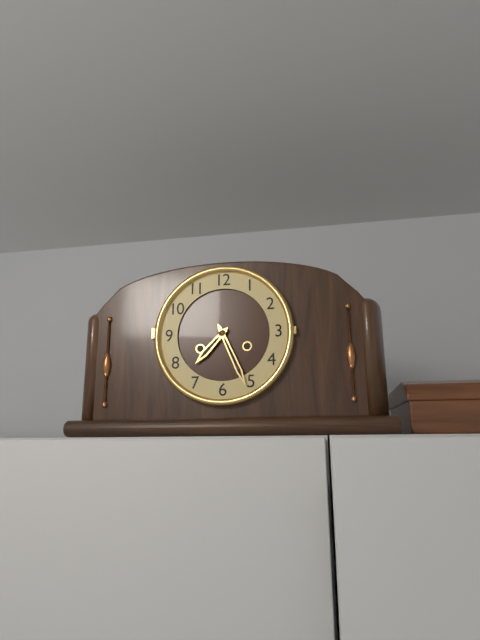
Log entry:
h=7 m=26
